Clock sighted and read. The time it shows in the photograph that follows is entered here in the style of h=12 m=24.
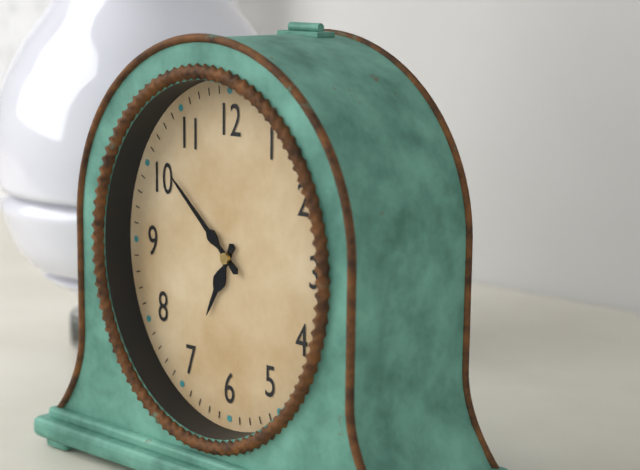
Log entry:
h=6 m=52
